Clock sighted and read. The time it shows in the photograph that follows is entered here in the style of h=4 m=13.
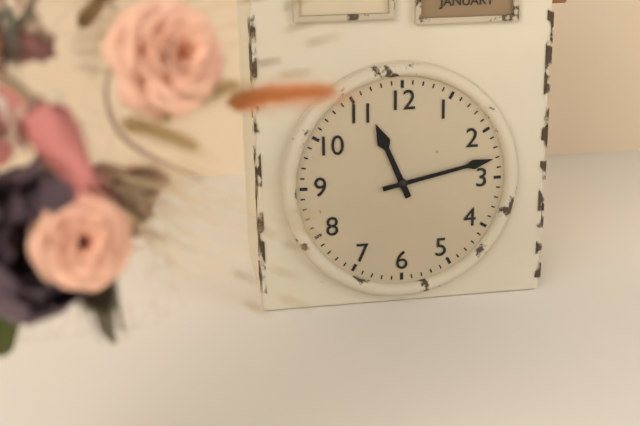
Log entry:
h=11 m=13
